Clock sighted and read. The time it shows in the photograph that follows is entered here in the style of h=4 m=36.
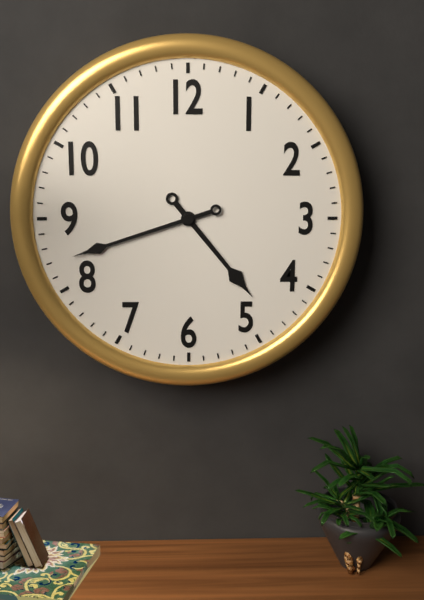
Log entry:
h=4 m=42
